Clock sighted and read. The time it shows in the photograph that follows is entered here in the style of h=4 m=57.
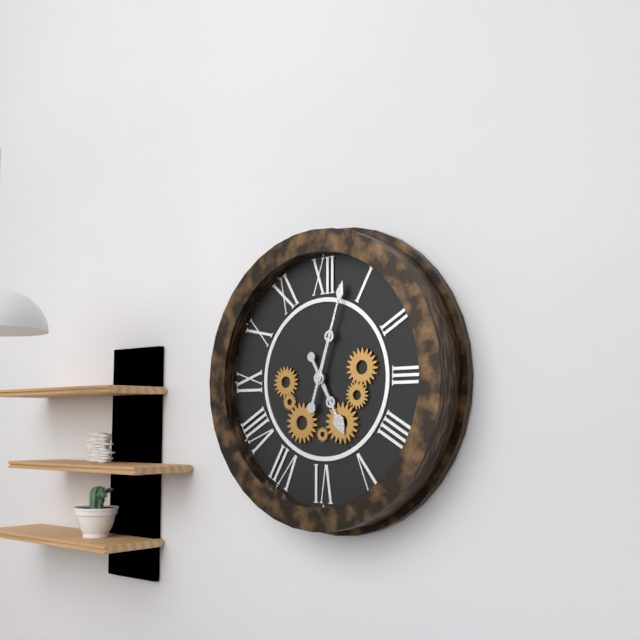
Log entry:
h=5 m=3
